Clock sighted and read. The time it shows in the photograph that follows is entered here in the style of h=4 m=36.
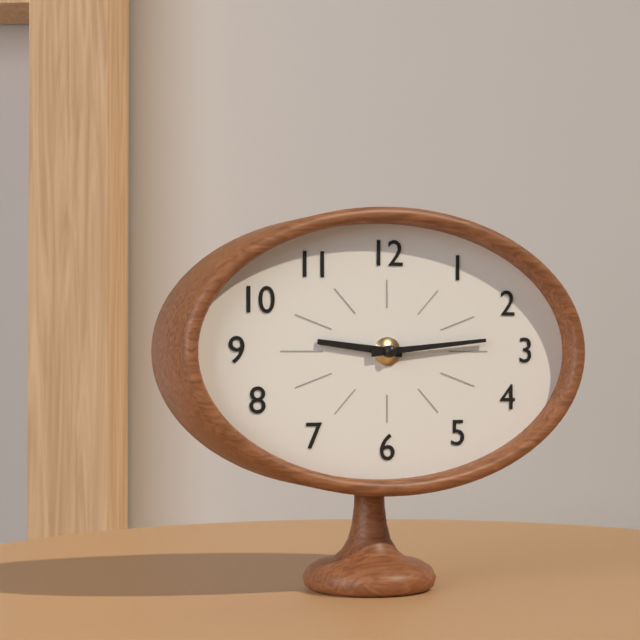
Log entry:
h=9 m=14
